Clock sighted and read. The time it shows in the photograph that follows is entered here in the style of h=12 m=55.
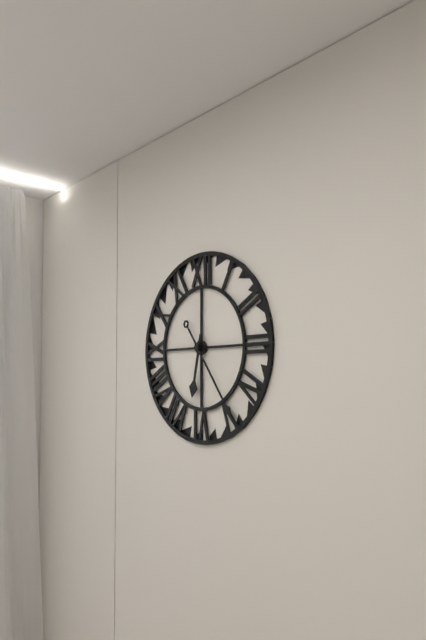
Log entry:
h=6 m=24
